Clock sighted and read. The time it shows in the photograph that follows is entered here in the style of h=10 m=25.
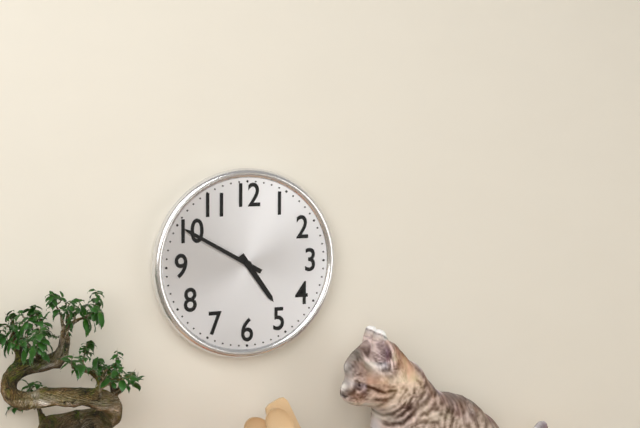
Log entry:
h=4 m=50
